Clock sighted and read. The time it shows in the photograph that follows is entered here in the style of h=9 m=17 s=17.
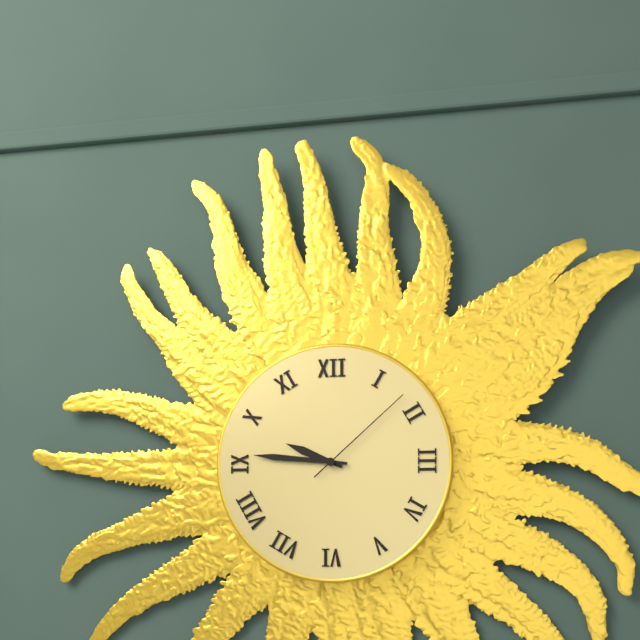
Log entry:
h=9 m=46 s=8
